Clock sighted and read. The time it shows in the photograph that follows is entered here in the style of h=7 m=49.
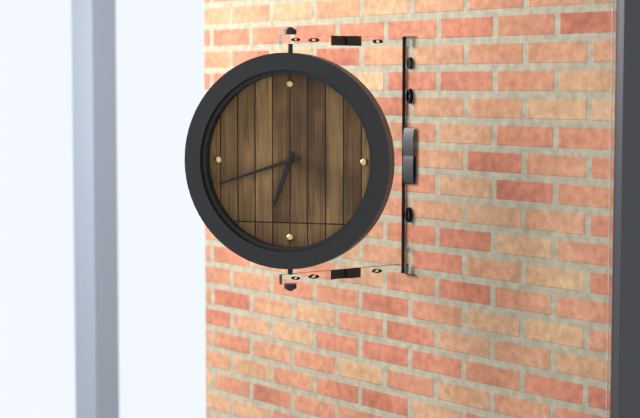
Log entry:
h=6 m=42
